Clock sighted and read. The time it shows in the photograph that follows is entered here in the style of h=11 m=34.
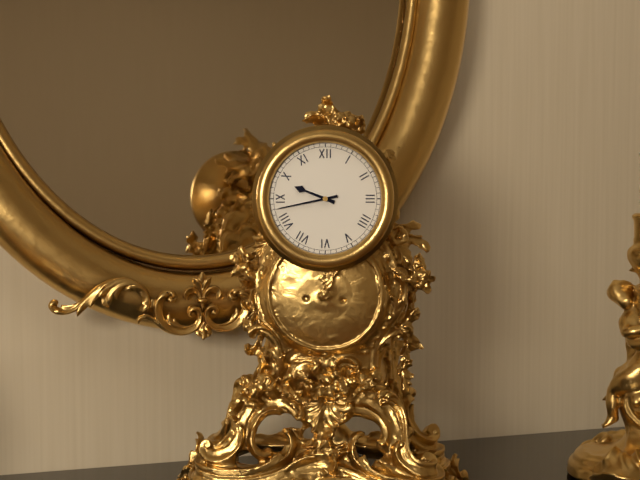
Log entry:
h=9 m=43
